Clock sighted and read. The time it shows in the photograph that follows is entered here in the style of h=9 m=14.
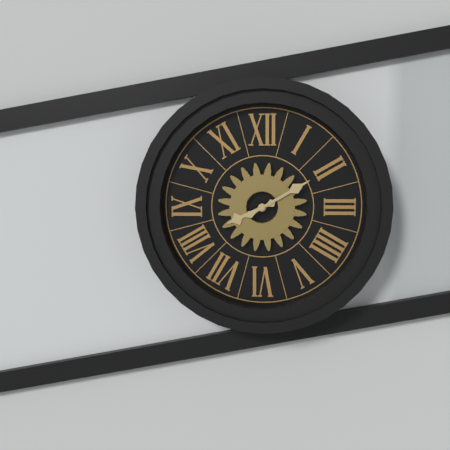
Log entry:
h=8 m=10
